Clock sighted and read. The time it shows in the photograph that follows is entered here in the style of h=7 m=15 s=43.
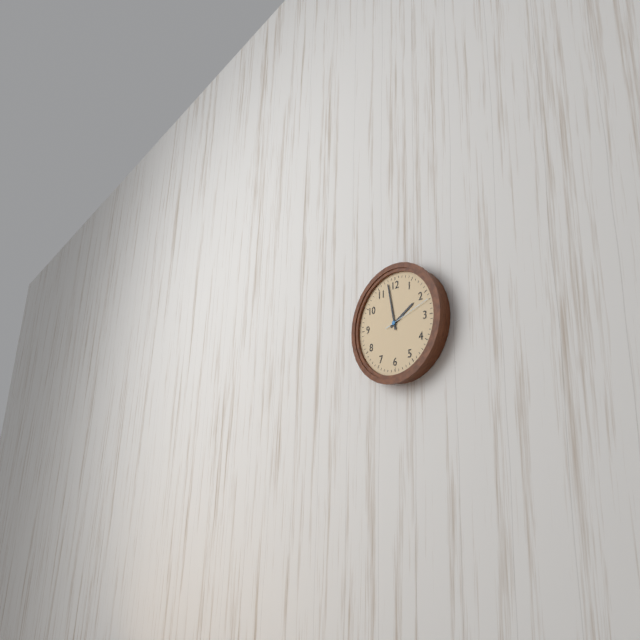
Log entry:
h=1 m=58 s=12
